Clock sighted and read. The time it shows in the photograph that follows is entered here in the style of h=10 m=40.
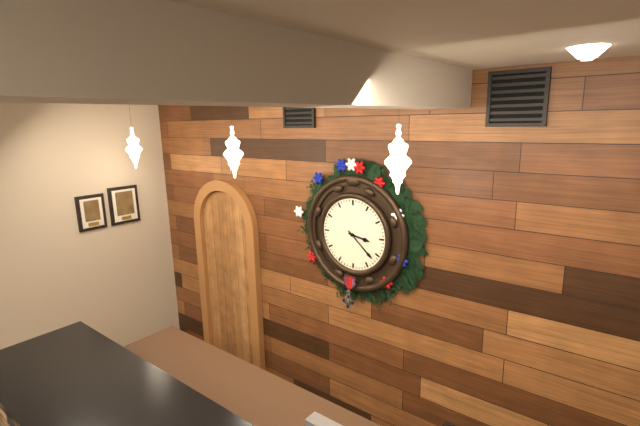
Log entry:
h=3 m=22
